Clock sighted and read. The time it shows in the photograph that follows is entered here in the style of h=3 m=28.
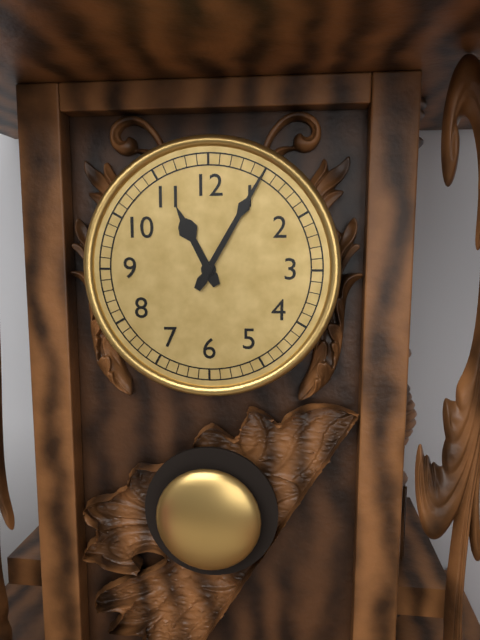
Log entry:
h=11 m=5
